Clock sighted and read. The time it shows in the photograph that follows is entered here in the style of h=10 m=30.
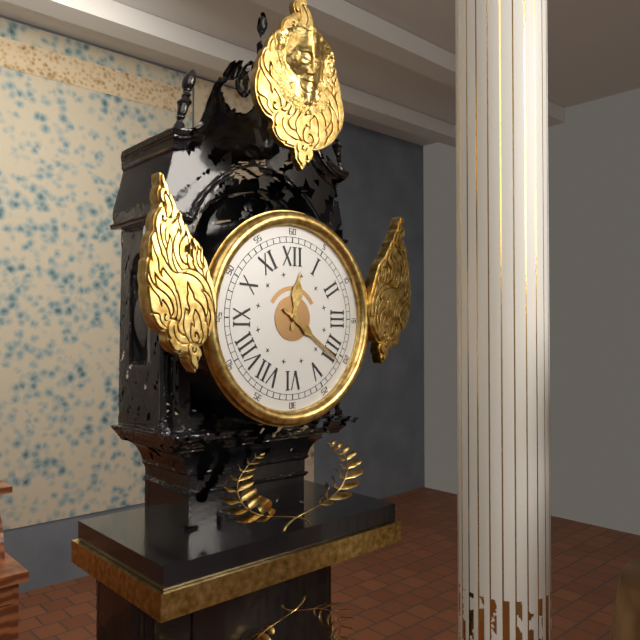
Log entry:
h=12 m=21
